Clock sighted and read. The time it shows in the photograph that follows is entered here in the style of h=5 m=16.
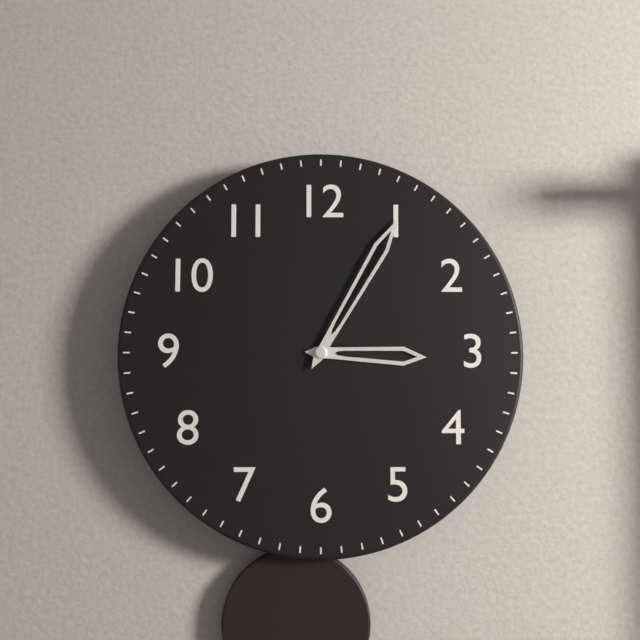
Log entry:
h=3 m=5
